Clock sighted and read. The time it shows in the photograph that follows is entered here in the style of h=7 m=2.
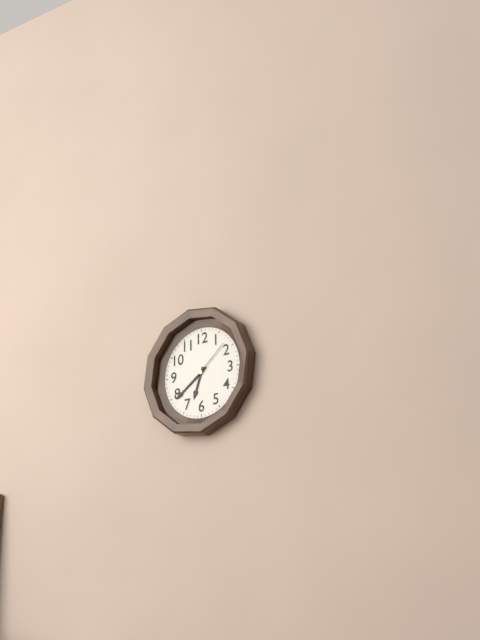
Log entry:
h=6 m=39
